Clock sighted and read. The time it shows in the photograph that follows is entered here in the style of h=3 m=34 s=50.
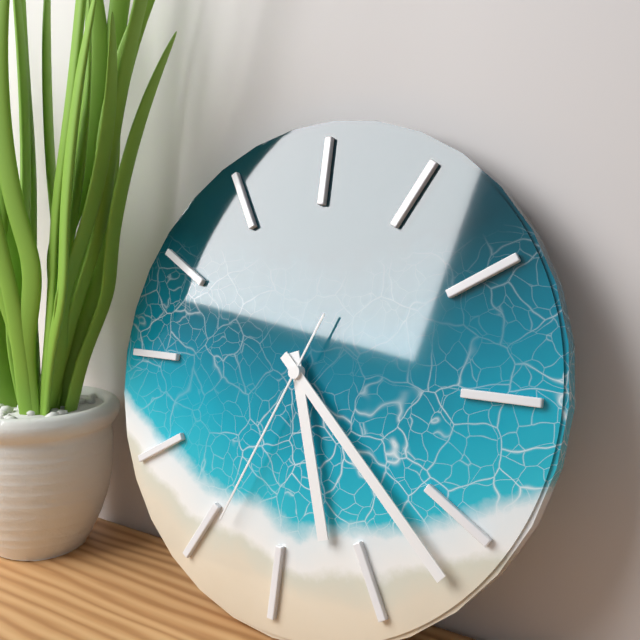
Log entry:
h=5 m=22 s=34
